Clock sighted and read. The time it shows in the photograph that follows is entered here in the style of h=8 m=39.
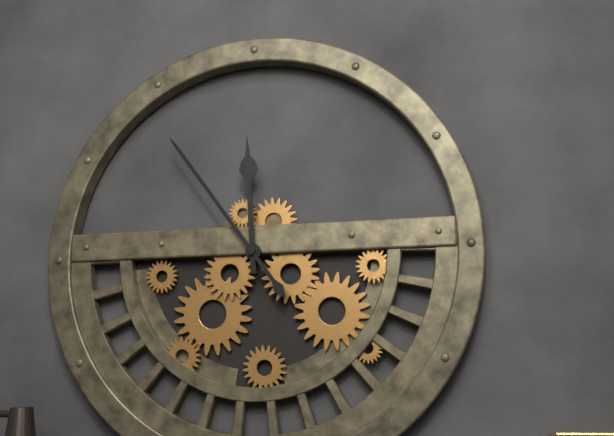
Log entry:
h=11 m=54
